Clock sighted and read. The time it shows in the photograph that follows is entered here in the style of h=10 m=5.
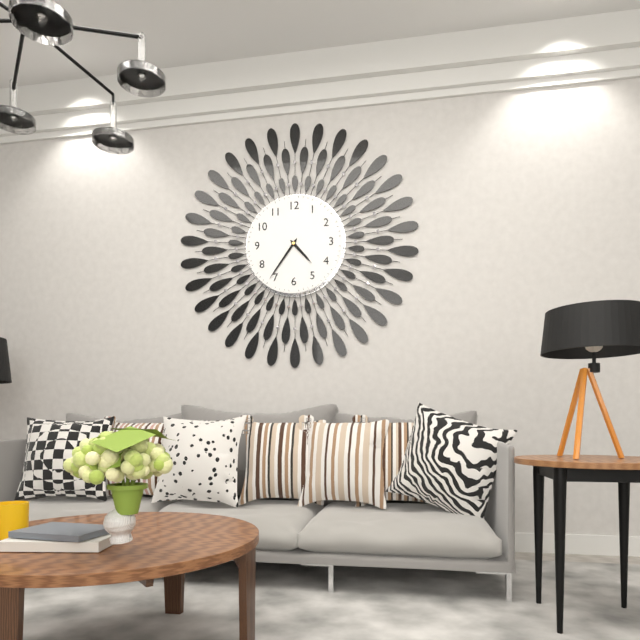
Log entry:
h=4 m=36
